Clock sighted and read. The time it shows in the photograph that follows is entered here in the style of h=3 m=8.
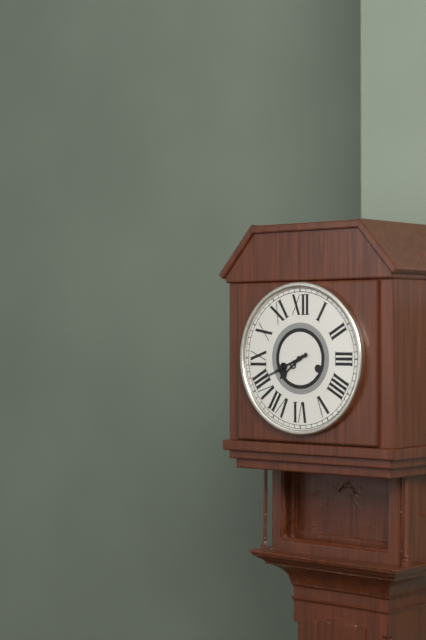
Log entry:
h=7 m=41
